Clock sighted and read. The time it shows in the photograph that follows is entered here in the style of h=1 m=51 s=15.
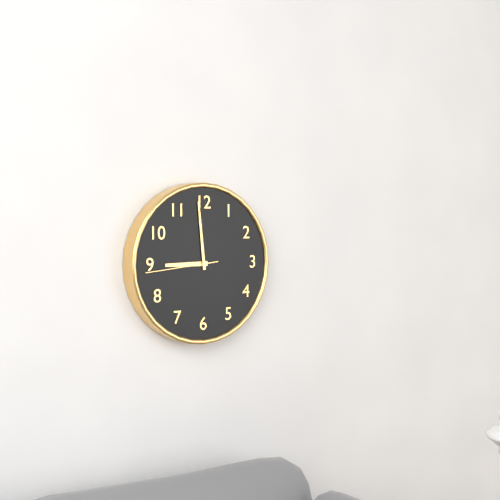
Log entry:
h=8 m=59 s=44
